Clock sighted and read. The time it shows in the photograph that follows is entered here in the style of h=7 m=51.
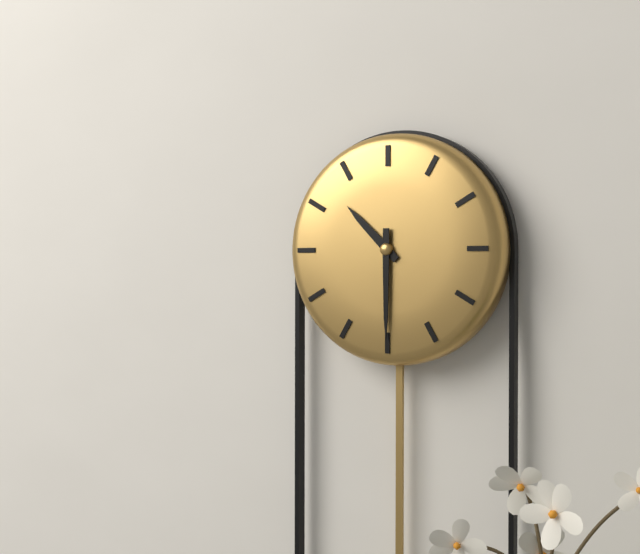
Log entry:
h=10 m=30
